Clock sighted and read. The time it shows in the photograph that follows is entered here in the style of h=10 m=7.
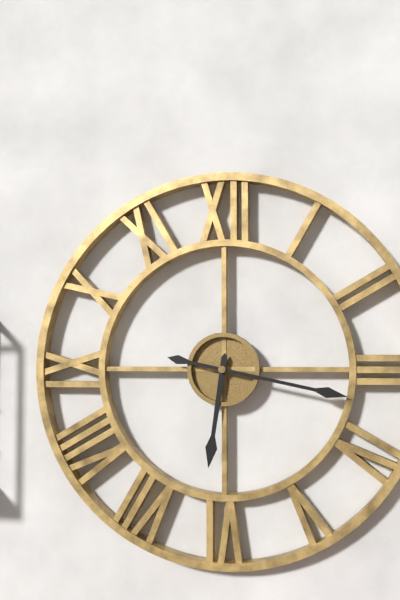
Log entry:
h=6 m=17
